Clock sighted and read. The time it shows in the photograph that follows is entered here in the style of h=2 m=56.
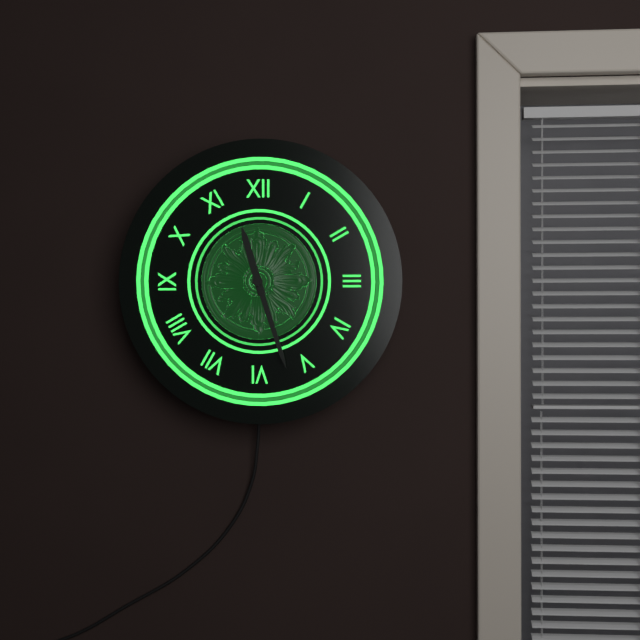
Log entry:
h=11 m=27
